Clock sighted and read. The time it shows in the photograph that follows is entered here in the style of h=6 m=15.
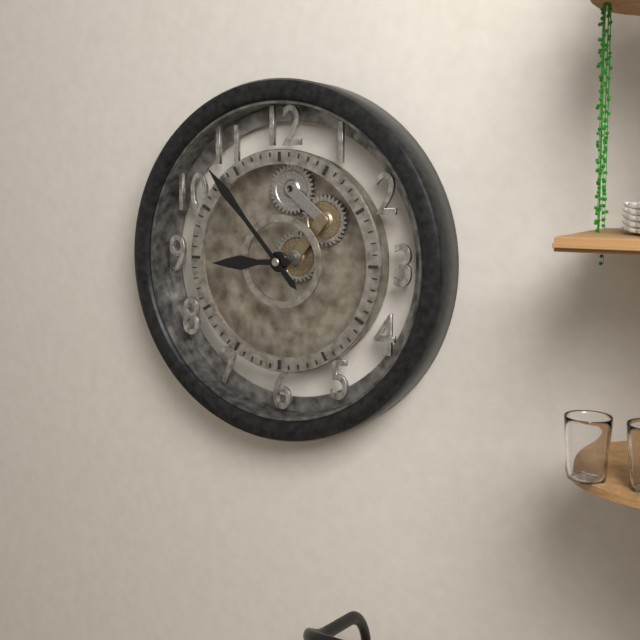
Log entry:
h=8 m=53
